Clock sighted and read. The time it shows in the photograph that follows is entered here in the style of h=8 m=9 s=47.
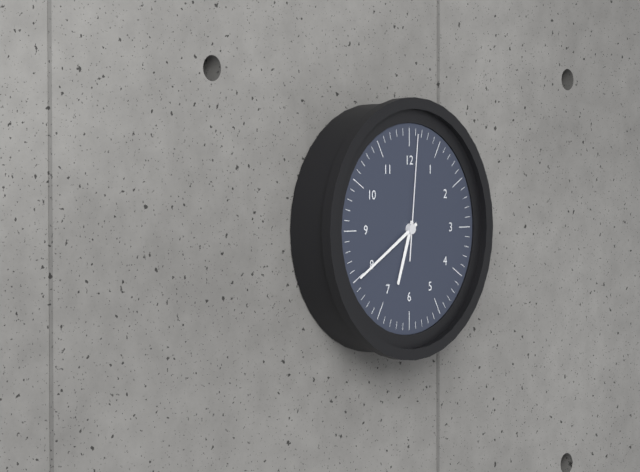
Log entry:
h=6 m=40 s=1
